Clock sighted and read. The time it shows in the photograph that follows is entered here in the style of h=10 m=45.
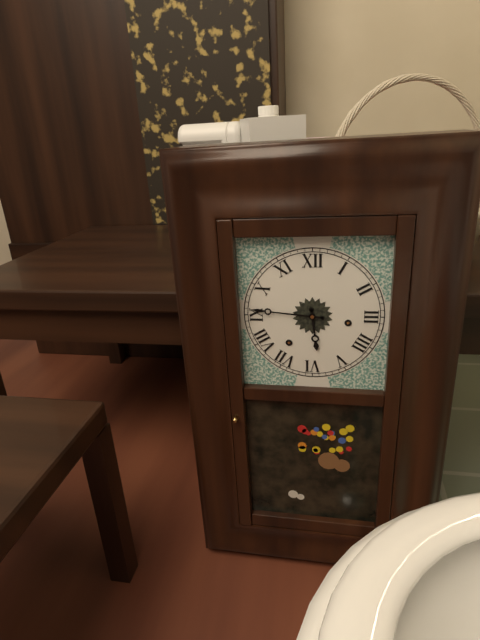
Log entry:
h=5 m=46
